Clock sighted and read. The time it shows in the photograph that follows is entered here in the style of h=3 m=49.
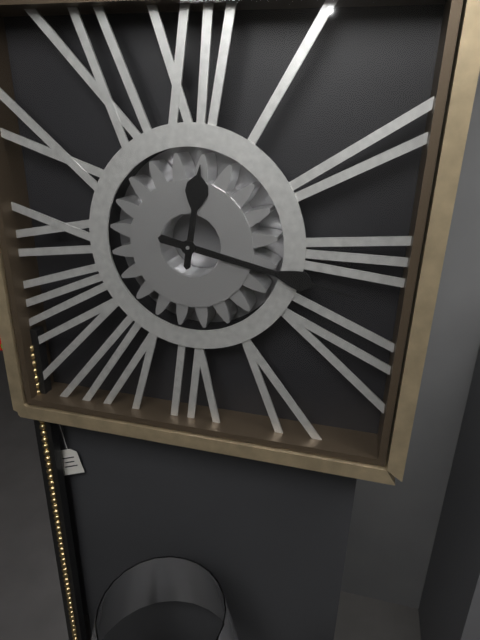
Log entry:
h=12 m=17
